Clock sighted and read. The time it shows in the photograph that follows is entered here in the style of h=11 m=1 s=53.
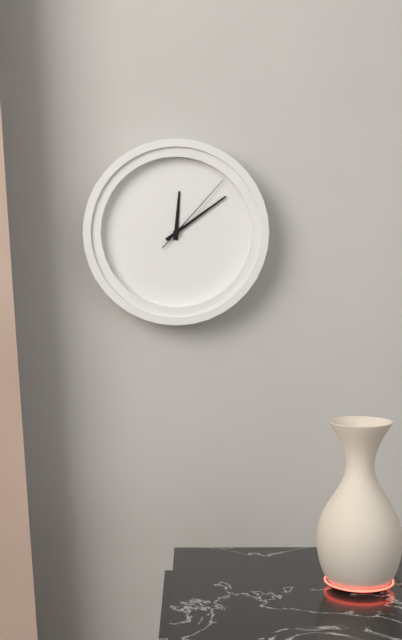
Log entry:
h=12 m=9 s=7
